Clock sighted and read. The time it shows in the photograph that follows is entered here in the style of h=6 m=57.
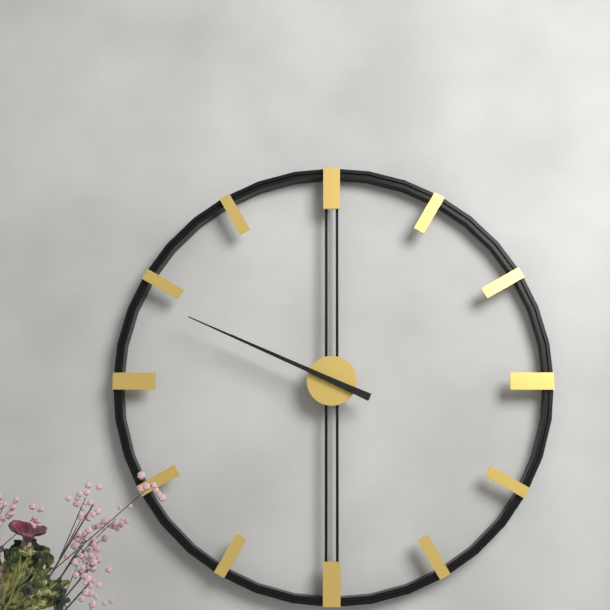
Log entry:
h=9 m=49
